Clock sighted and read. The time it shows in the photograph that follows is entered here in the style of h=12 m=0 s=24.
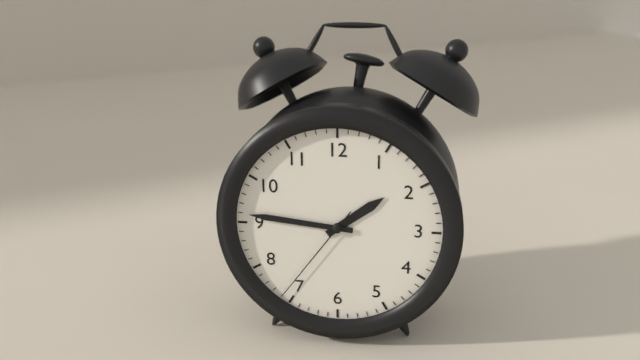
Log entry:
h=1 m=46 s=36
